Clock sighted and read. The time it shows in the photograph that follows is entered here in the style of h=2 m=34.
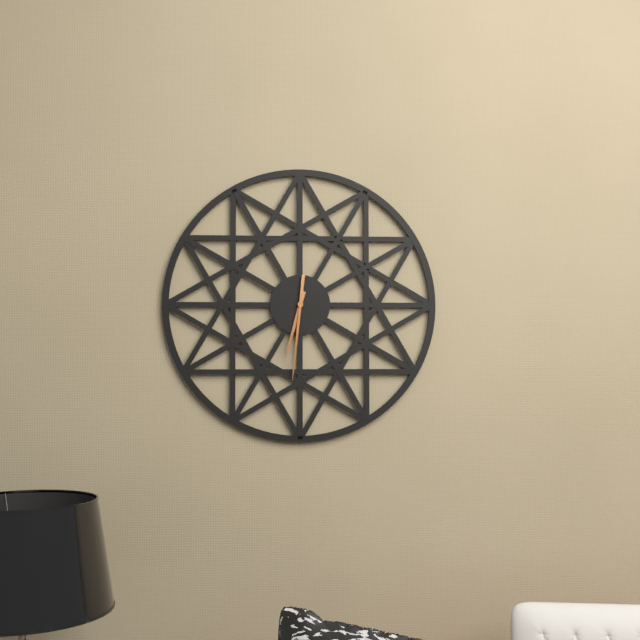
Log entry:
h=6 m=31
